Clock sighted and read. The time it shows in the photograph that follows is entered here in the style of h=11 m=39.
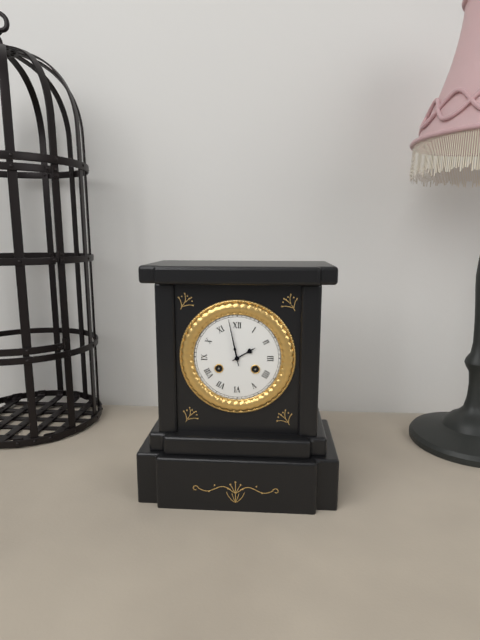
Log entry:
h=1 m=58
